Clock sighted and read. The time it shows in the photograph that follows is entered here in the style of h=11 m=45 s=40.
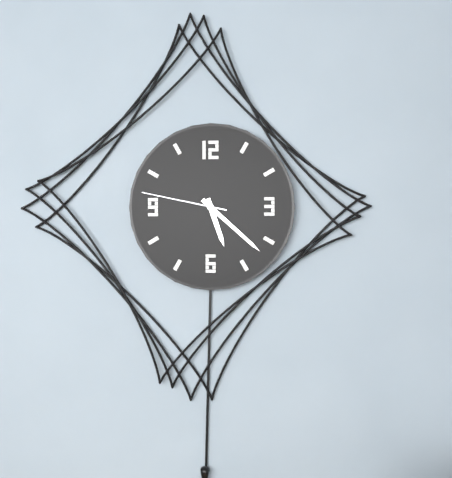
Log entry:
h=5 m=22 s=47
